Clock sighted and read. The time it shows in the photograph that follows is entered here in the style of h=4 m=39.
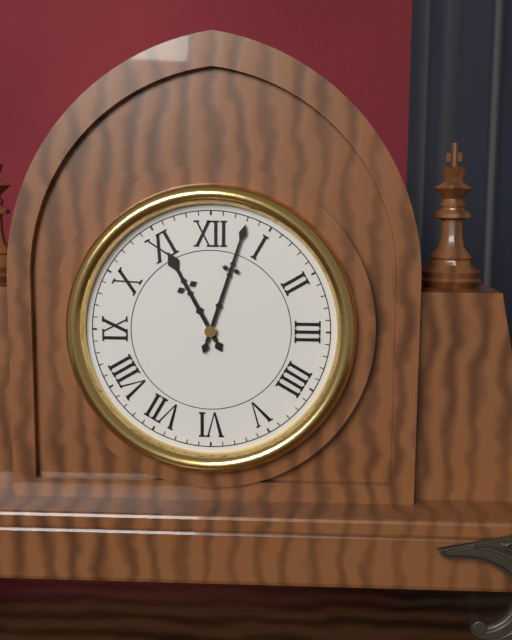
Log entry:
h=11 m=3
